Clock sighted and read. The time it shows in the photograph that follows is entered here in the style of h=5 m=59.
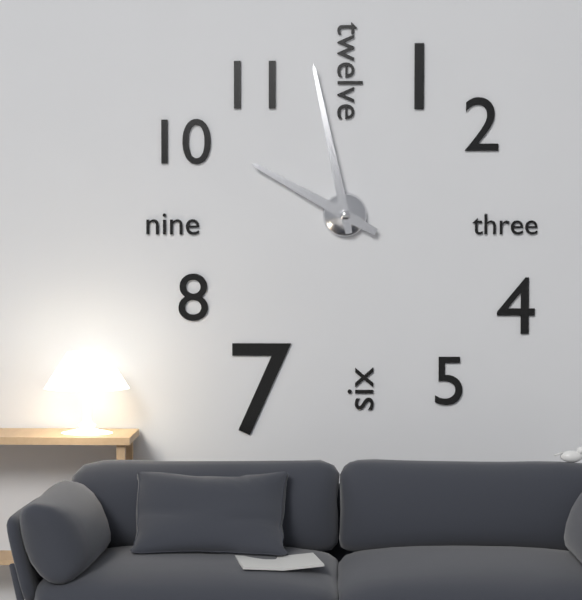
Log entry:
h=9 m=58
